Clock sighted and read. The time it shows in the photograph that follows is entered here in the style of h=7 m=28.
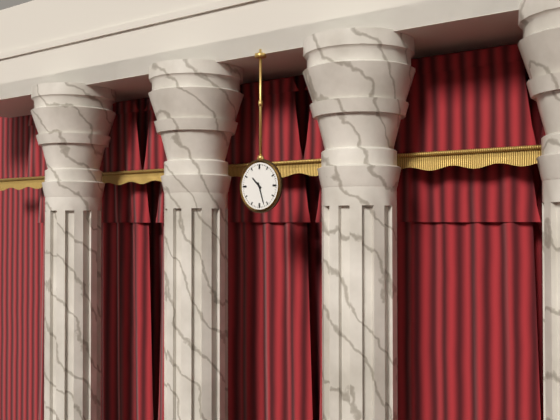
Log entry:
h=10 m=27
